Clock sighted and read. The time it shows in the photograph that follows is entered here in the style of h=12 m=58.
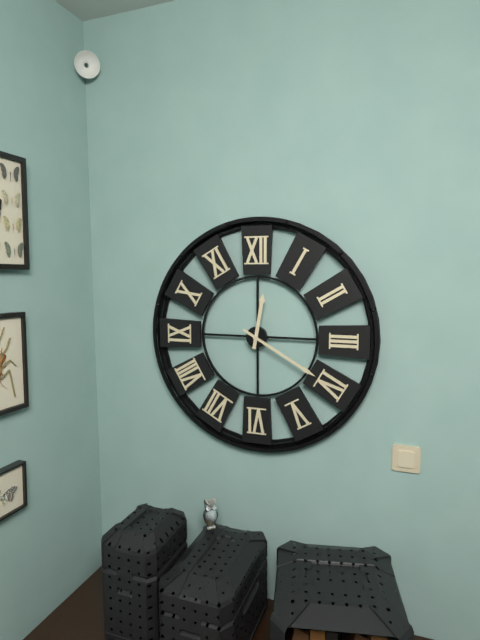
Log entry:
h=12 m=20
